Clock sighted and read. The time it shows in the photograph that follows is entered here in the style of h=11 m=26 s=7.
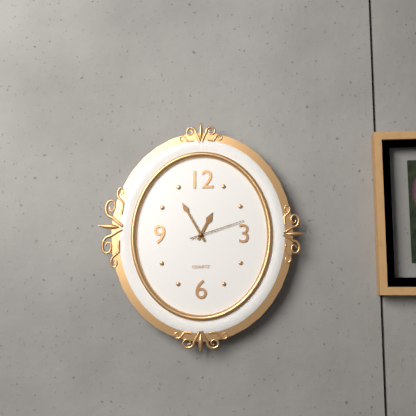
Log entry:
h=12 m=55 s=12
